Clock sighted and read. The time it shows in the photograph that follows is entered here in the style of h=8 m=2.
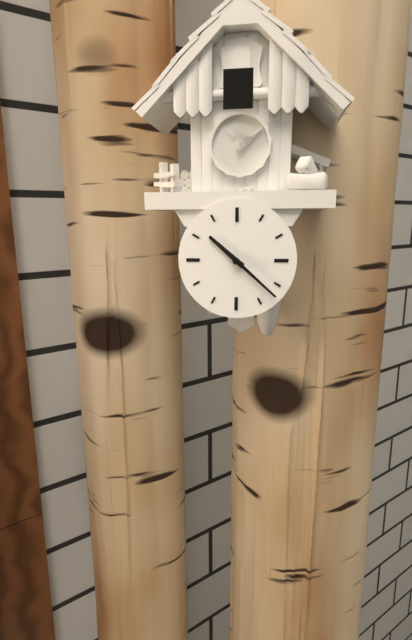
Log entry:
h=10 m=22
